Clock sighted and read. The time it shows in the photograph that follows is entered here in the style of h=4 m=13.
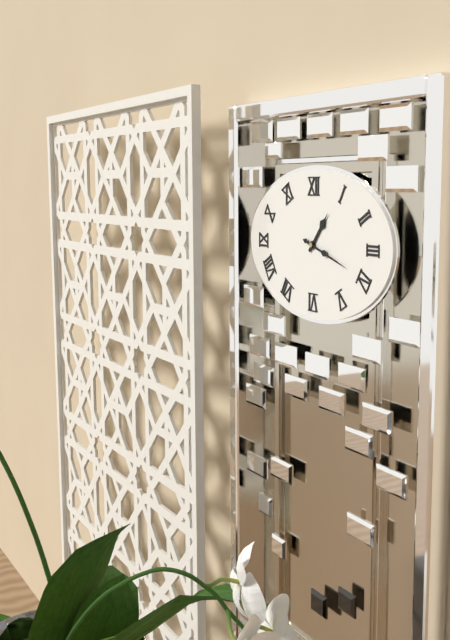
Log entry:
h=1 m=18
